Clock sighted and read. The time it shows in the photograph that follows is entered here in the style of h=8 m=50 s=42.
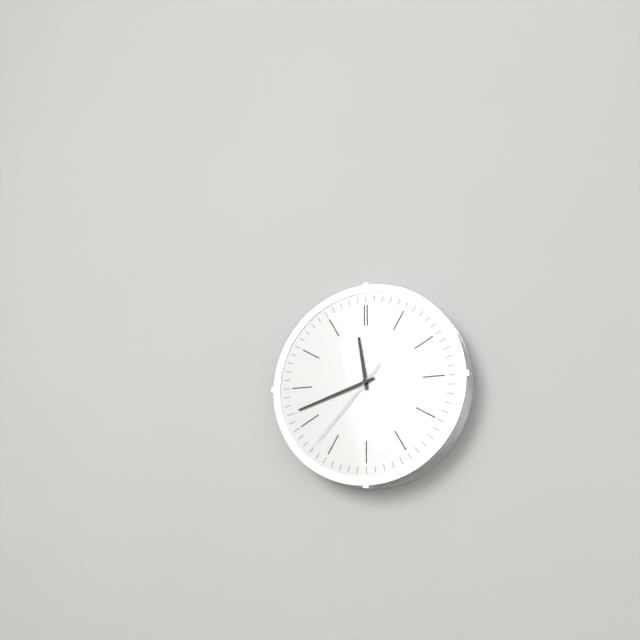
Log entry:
h=11 m=42 s=37
